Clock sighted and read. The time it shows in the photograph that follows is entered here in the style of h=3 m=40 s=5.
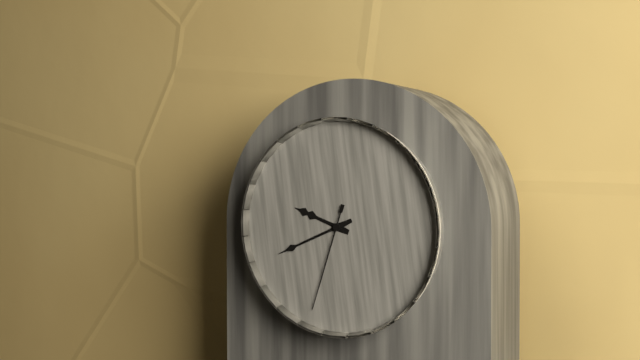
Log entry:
h=9 m=41 s=33
